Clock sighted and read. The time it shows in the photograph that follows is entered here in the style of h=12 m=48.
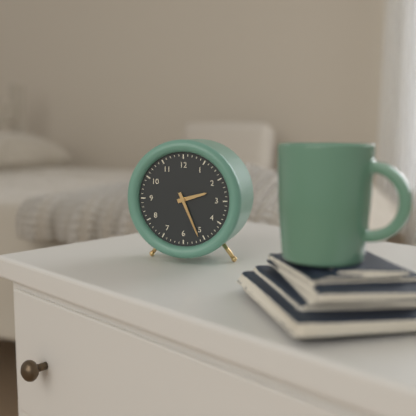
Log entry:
h=2 m=26
